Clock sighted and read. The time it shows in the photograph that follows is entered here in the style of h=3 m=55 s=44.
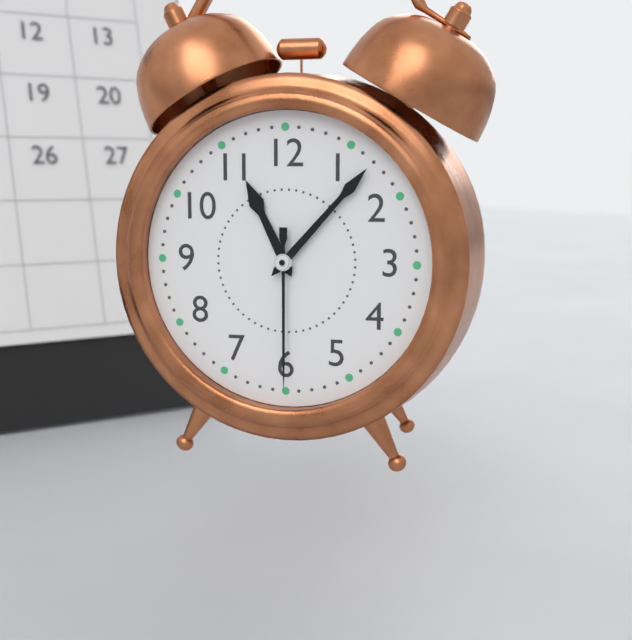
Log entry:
h=11 m=7 s=30
